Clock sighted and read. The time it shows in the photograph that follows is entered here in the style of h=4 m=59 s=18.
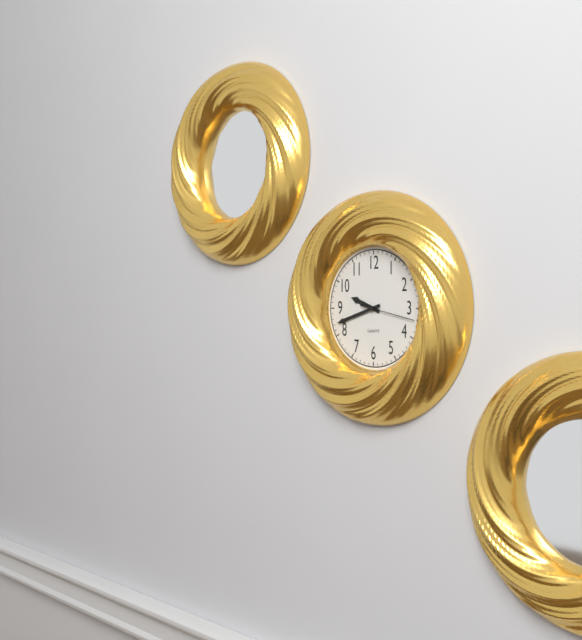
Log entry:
h=9 m=42 s=17
